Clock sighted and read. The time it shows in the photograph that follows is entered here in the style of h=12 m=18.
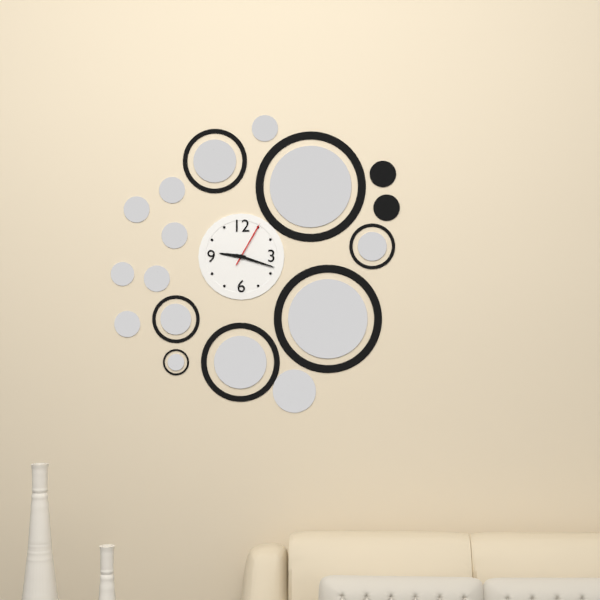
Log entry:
h=9 m=18
